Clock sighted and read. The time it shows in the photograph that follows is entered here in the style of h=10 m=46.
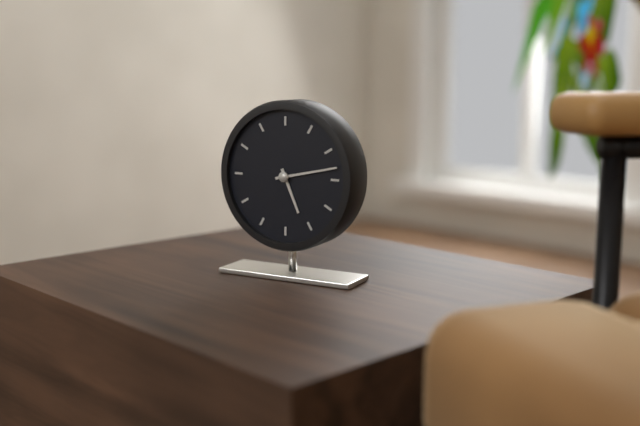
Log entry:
h=5 m=13
